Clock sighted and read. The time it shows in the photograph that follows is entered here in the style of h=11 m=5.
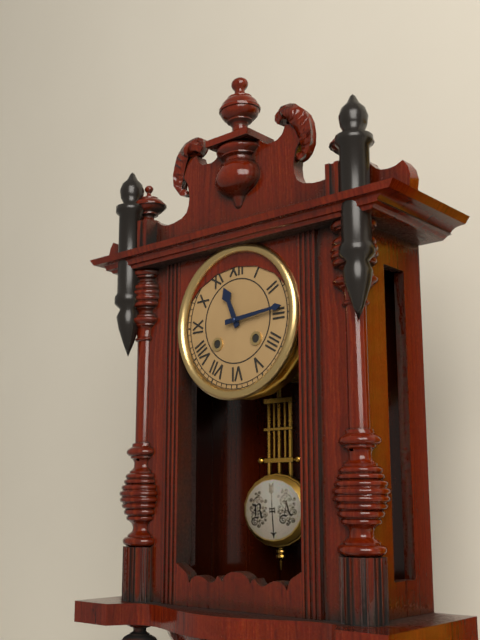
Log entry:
h=11 m=14
